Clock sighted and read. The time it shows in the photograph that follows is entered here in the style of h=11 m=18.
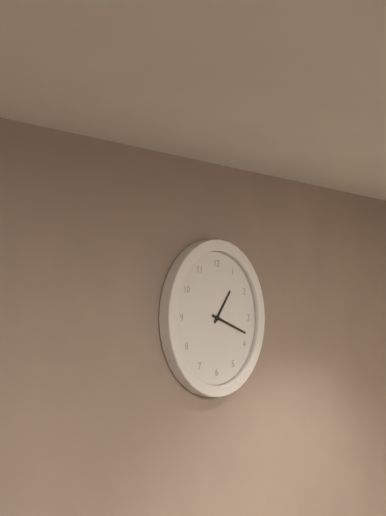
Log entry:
h=1 m=18
